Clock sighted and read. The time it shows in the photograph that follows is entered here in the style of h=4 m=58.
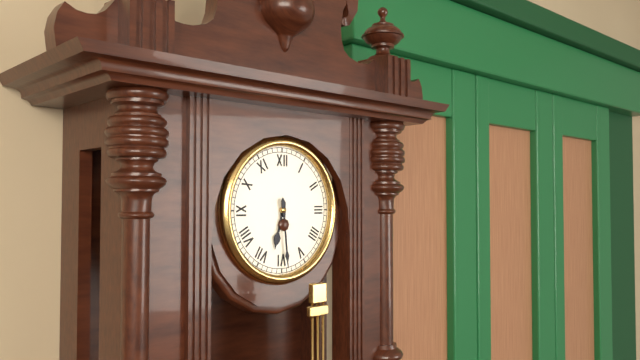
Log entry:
h=6 m=29
